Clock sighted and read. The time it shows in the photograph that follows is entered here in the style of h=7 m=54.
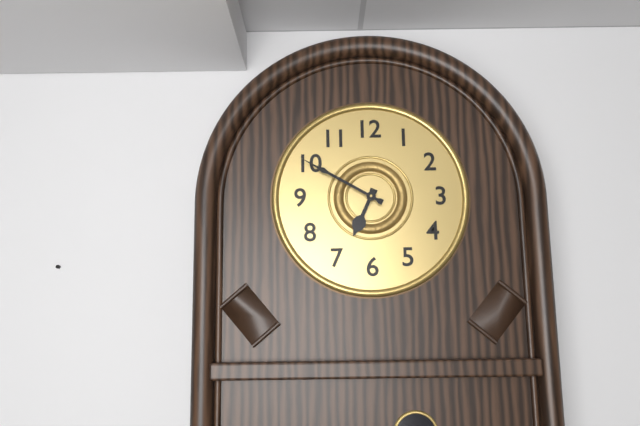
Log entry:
h=6 m=50
